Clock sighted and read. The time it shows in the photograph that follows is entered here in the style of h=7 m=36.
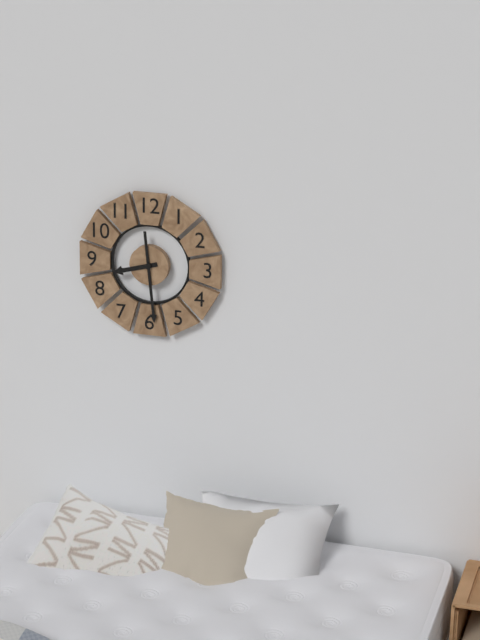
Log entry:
h=8 m=29
